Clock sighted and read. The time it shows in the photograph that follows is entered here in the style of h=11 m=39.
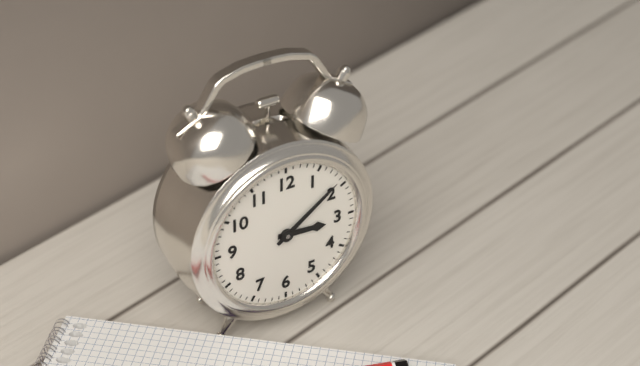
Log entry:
h=3 m=9
